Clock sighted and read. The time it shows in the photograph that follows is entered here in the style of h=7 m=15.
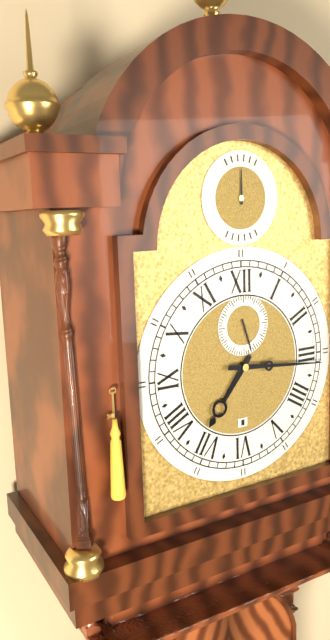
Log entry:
h=7 m=16
